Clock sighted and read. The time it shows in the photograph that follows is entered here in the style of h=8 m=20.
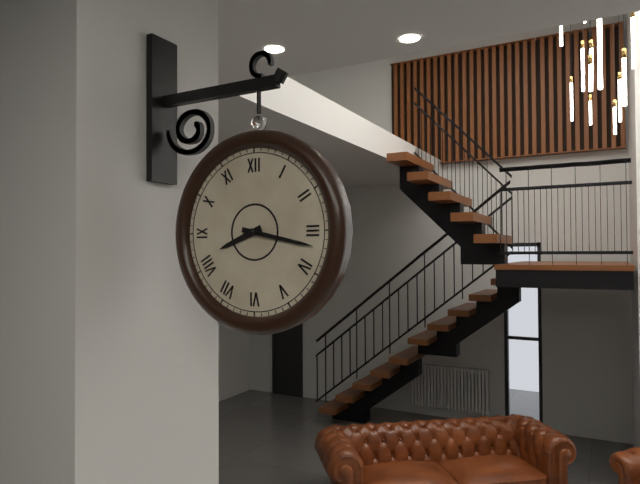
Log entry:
h=8 m=17
